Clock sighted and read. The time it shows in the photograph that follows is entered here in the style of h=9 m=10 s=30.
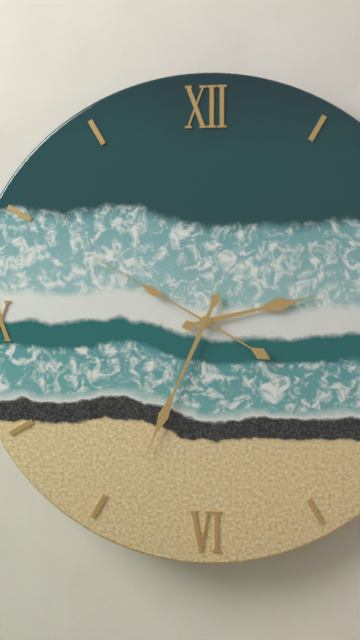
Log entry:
h=2 m=34 s=50
